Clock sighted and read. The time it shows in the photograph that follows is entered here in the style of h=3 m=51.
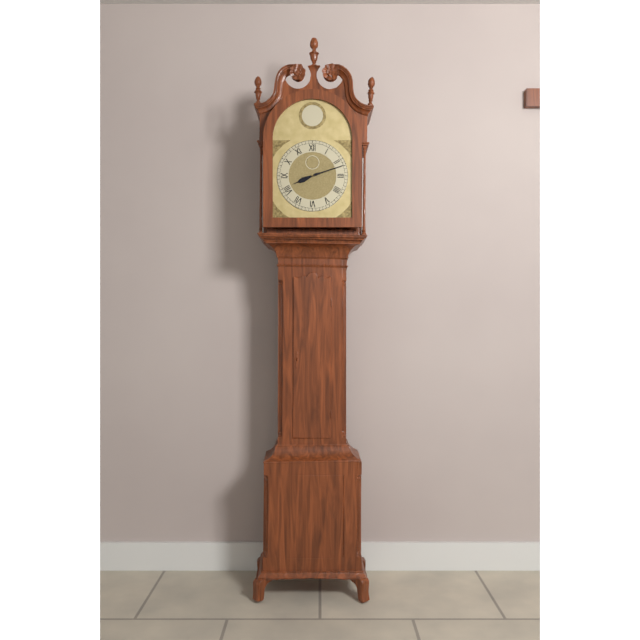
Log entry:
h=8 m=12
